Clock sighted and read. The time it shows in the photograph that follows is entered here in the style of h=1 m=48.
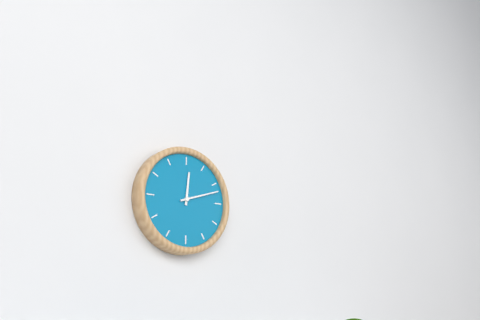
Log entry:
h=12 m=12
